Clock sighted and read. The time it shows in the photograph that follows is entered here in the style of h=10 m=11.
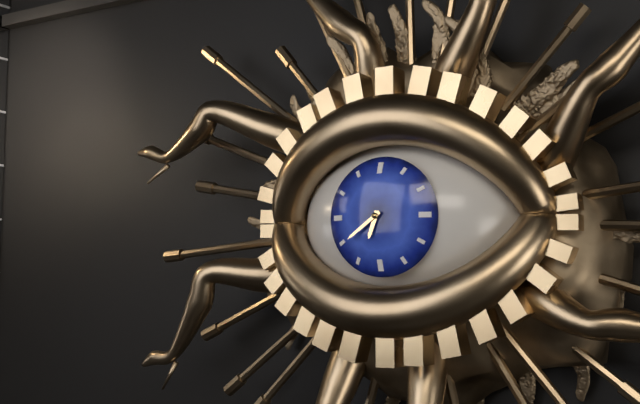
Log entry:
h=6 m=39
